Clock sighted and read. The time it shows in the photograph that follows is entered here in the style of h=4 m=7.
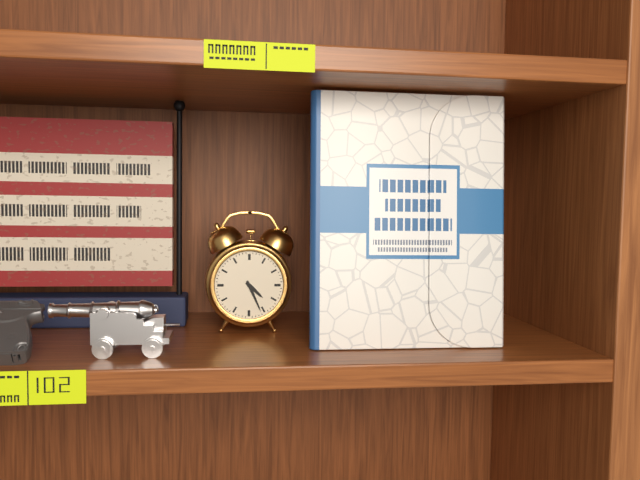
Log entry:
h=4 m=26
